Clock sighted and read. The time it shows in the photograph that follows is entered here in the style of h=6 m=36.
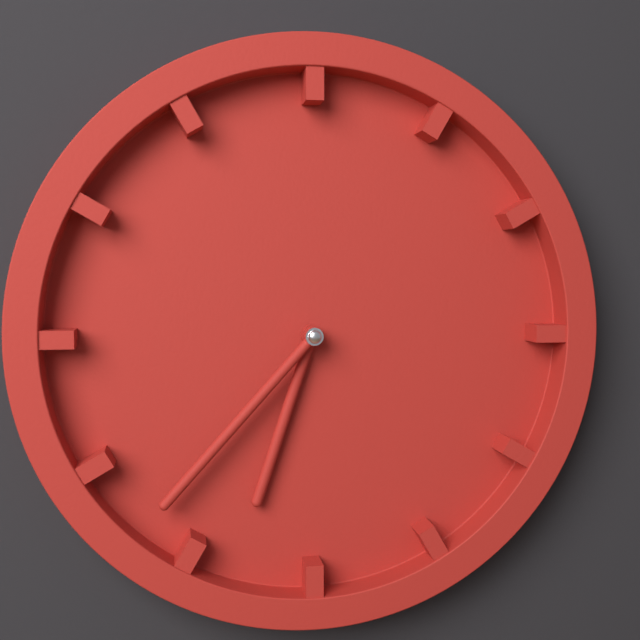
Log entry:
h=6 m=37
